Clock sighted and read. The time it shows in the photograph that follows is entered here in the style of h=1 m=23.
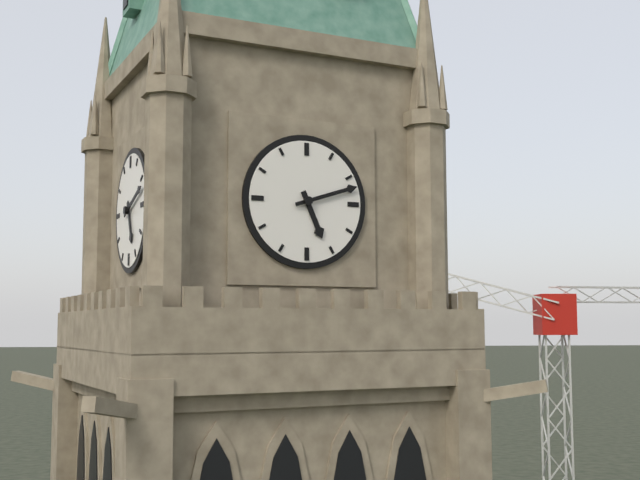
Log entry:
h=5 m=12
